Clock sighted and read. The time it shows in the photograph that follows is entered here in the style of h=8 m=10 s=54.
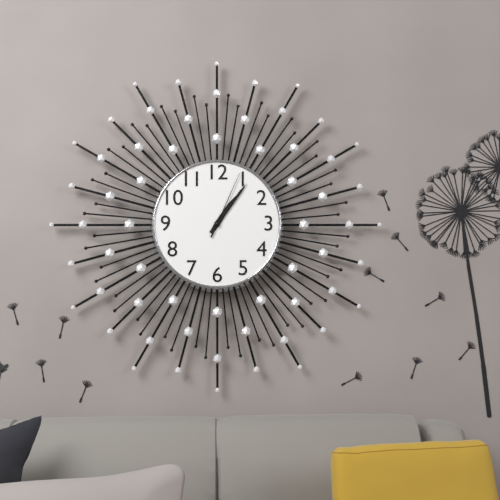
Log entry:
h=1 m=6 s=4
